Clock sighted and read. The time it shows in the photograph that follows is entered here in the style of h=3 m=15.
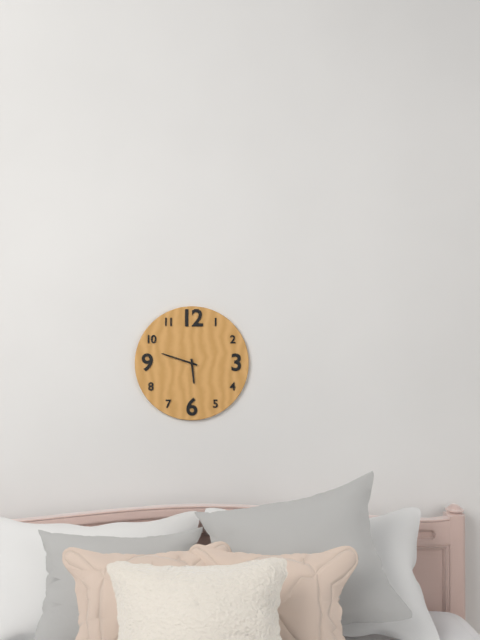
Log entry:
h=5 m=48
